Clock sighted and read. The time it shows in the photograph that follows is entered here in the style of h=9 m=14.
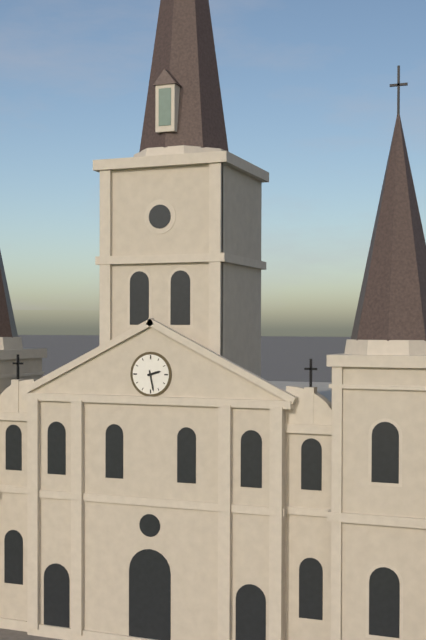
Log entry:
h=2 m=28
